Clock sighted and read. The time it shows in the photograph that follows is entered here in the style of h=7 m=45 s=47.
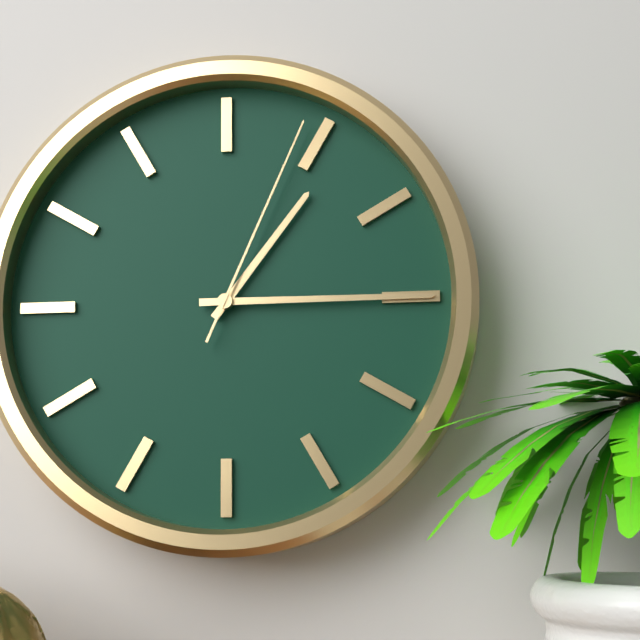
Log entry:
h=1 m=15 s=4
